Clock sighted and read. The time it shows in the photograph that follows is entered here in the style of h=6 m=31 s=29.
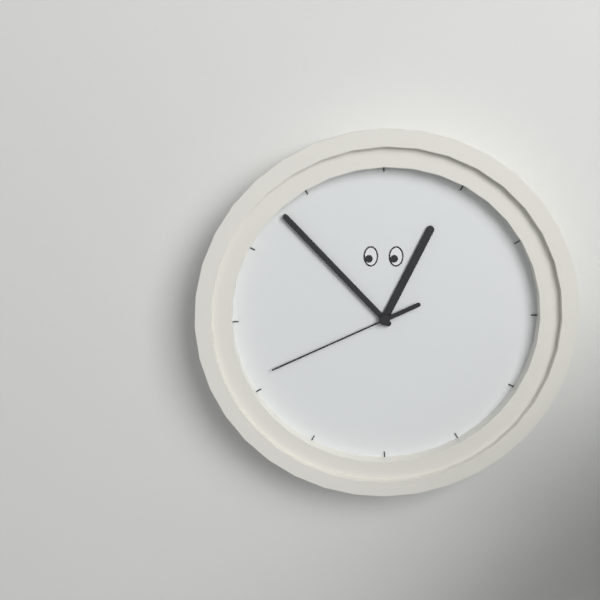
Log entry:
h=12 m=53 s=41
